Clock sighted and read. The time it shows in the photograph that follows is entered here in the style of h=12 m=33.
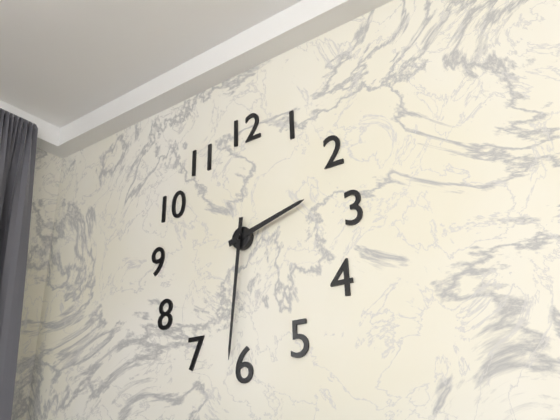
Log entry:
h=2 m=31
